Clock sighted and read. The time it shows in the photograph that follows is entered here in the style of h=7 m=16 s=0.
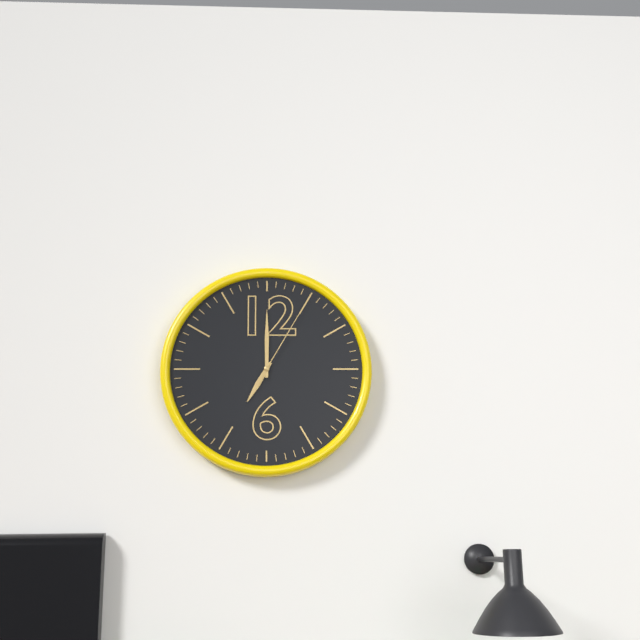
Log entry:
h=7 m=0 s=5
